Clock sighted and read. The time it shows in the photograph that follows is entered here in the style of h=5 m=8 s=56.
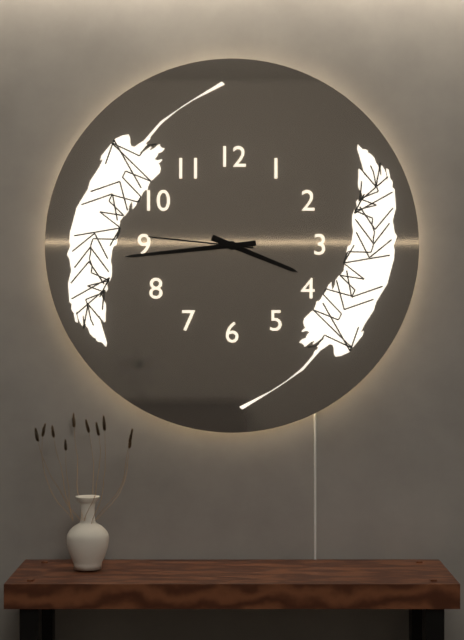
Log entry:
h=3 m=44 s=46
